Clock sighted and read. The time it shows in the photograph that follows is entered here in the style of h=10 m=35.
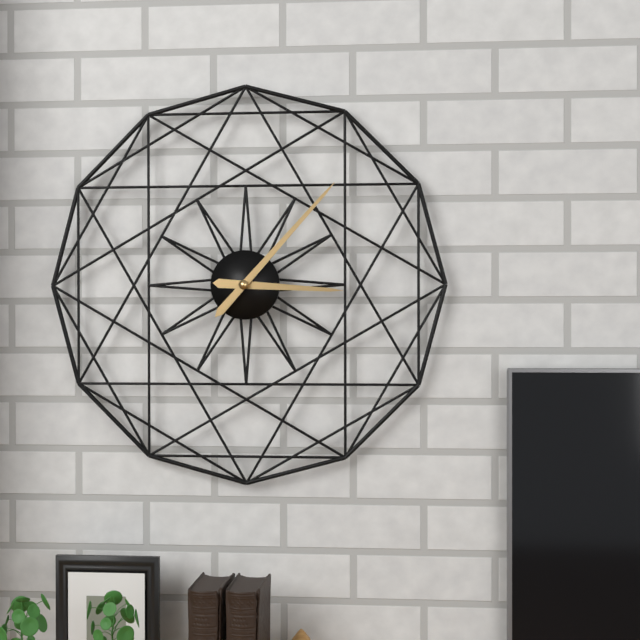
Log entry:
h=3 m=7
